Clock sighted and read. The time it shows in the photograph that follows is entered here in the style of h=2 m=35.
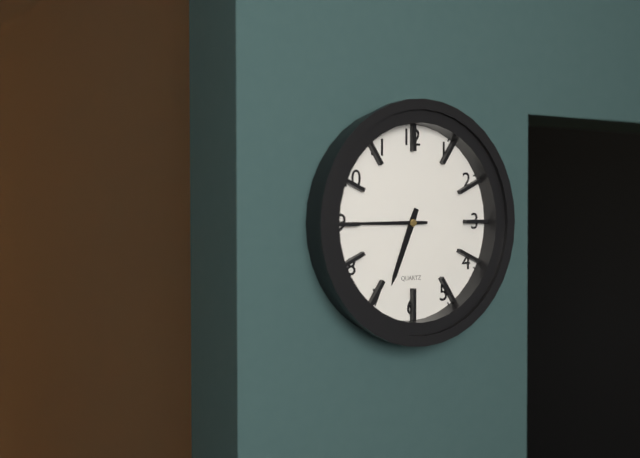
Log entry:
h=6 m=45
